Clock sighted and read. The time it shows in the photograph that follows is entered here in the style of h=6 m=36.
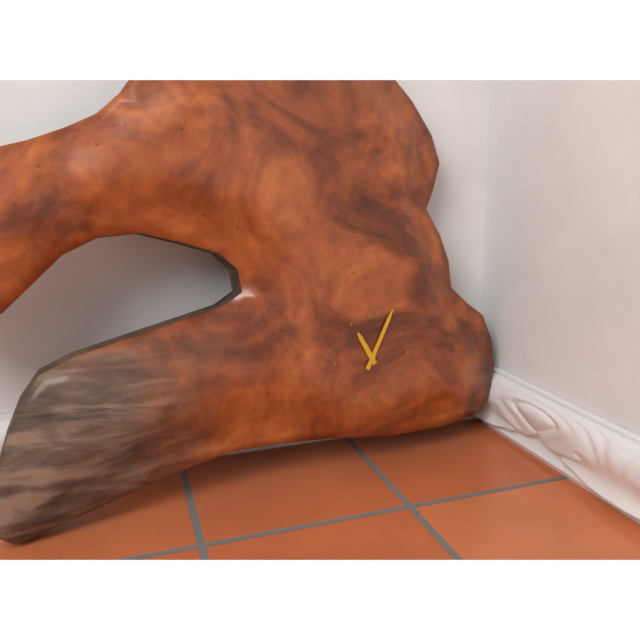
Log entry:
h=11 m=5
